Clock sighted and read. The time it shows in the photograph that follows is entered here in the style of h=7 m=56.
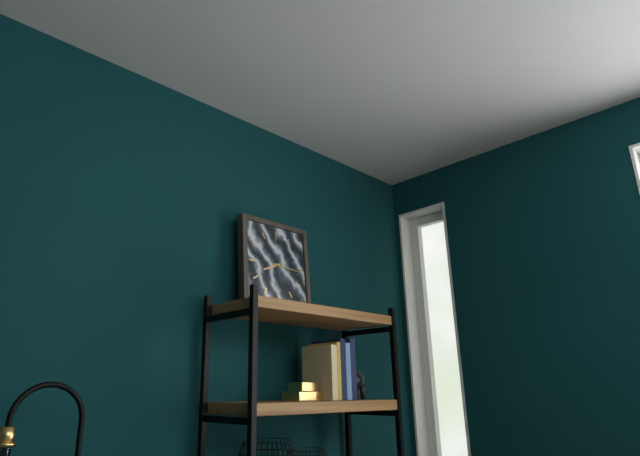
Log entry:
h=8 m=16
